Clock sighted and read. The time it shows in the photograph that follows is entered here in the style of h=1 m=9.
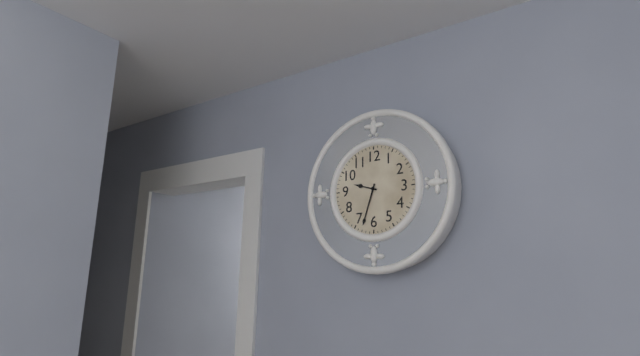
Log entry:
h=9 m=33
